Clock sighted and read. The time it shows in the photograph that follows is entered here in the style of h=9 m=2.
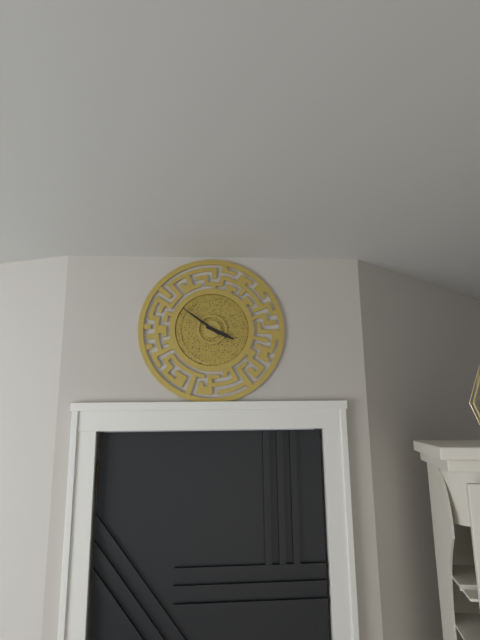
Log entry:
h=3 m=51
